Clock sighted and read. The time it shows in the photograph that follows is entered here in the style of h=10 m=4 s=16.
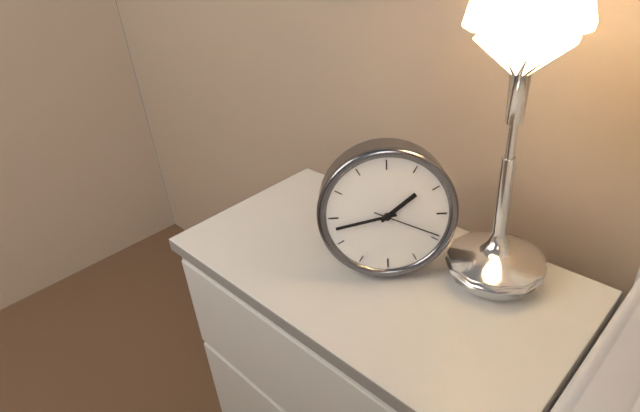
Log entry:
h=1 m=43 s=19
